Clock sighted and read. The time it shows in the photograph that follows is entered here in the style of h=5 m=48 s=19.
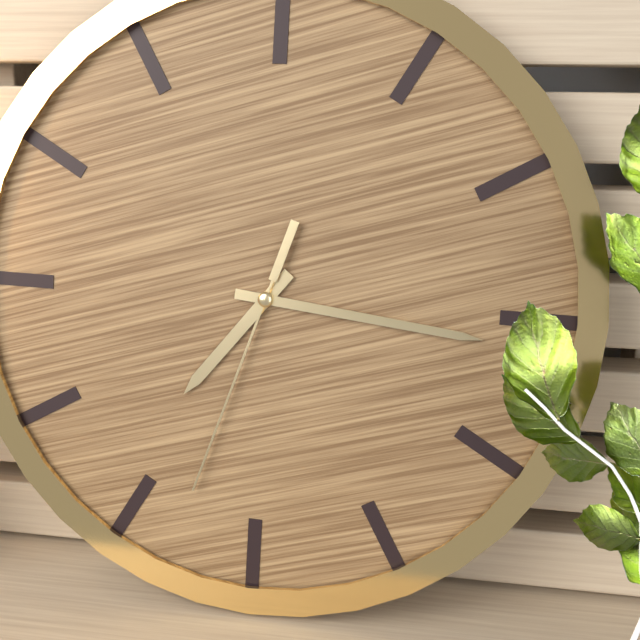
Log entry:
h=7 m=16 s=33
